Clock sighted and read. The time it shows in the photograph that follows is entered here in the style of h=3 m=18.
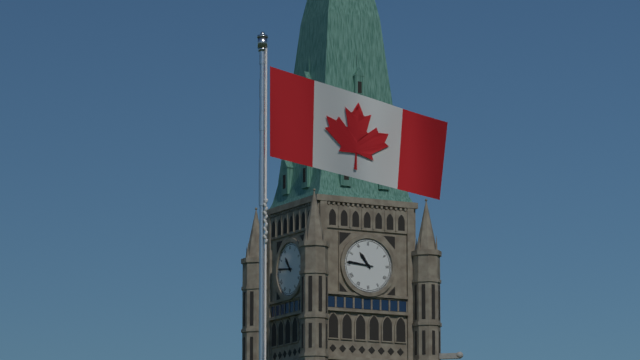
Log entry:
h=10 m=46
